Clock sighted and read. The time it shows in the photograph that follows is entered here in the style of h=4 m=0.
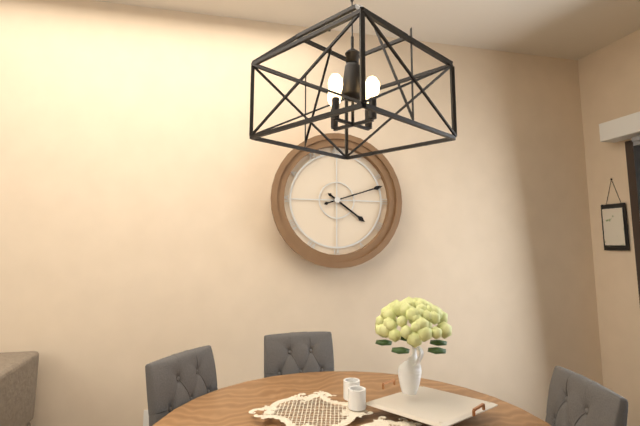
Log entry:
h=4 m=12
